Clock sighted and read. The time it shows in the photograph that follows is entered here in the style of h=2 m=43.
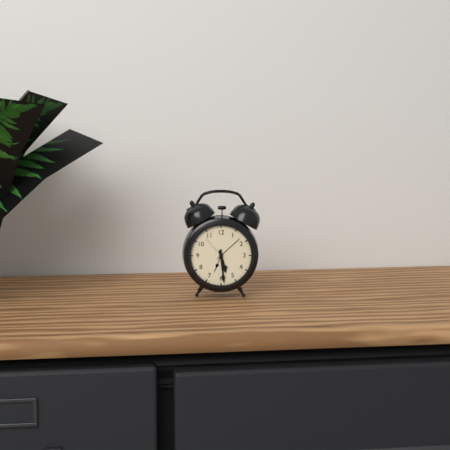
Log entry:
h=5 m=29
